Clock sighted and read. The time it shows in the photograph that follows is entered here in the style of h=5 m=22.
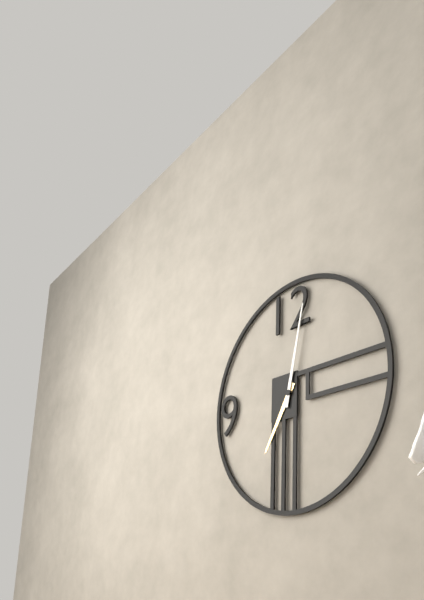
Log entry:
h=7 m=2
